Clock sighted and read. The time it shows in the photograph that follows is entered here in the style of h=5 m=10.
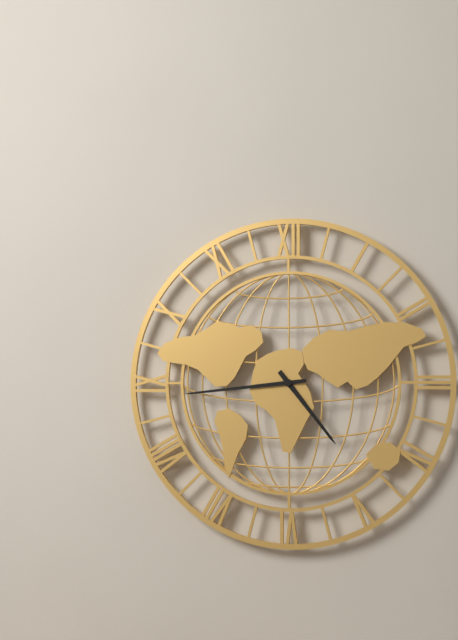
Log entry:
h=4 m=44
